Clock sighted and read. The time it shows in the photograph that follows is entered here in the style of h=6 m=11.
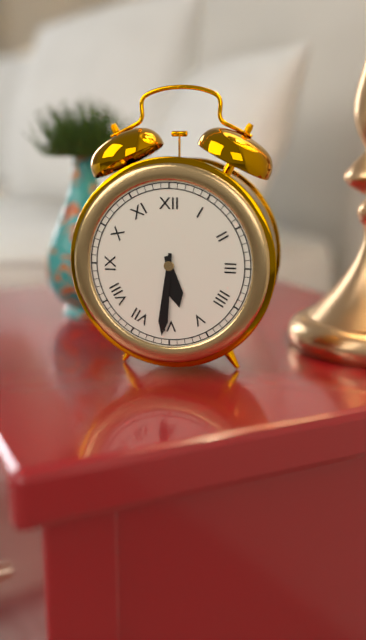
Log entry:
h=5 m=31
